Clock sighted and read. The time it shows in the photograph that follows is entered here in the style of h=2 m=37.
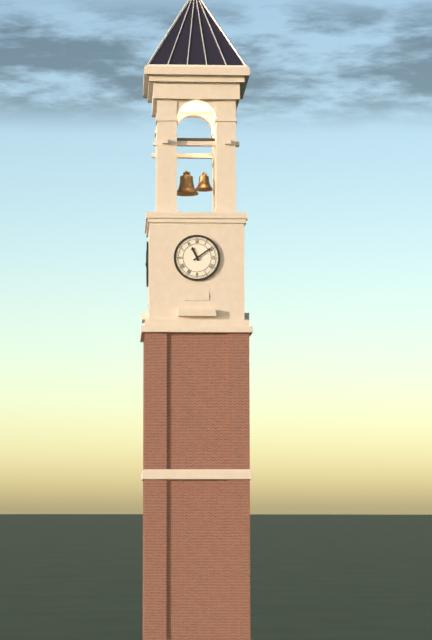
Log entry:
h=11 m=9
